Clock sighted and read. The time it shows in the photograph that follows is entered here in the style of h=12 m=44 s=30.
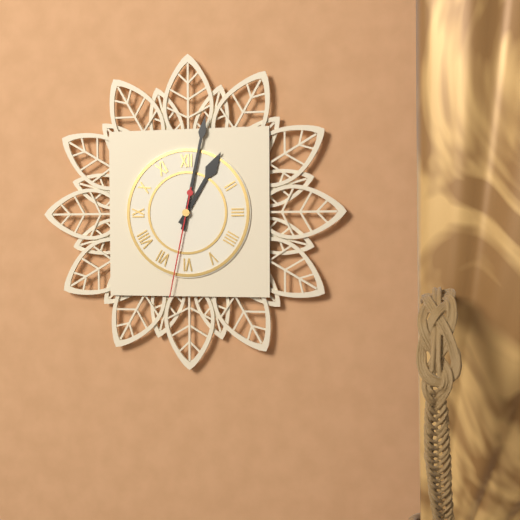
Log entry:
h=1 m=2 s=32
